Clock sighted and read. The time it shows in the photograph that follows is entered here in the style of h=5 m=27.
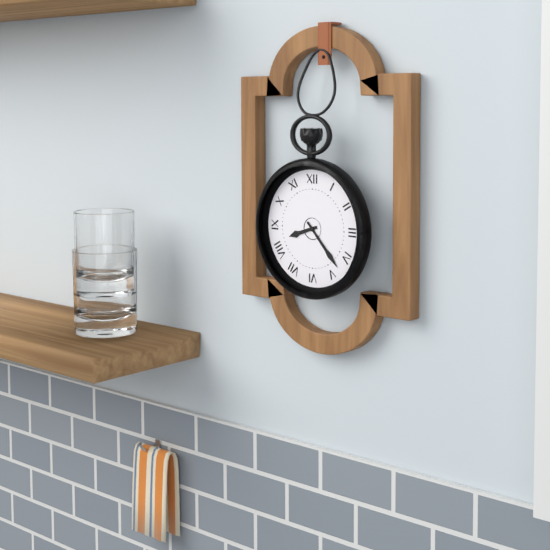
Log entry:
h=8 m=23
